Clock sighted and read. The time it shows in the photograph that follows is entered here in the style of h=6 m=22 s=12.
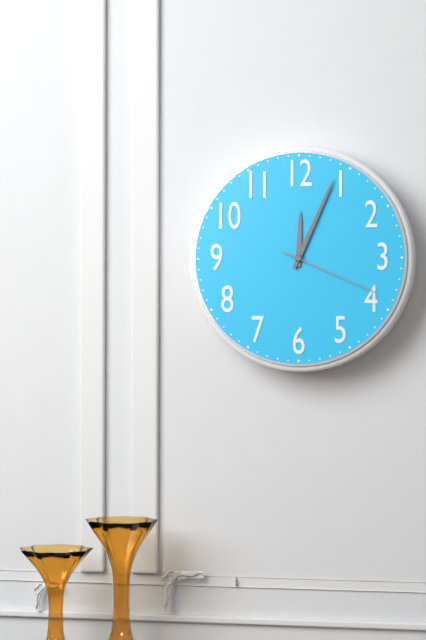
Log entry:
h=12 m=4 s=19
